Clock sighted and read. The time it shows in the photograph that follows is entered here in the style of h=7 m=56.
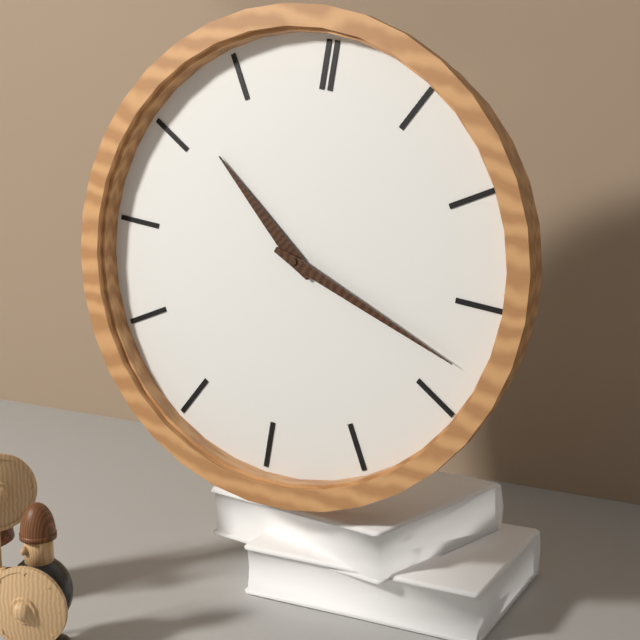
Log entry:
h=10 m=18
